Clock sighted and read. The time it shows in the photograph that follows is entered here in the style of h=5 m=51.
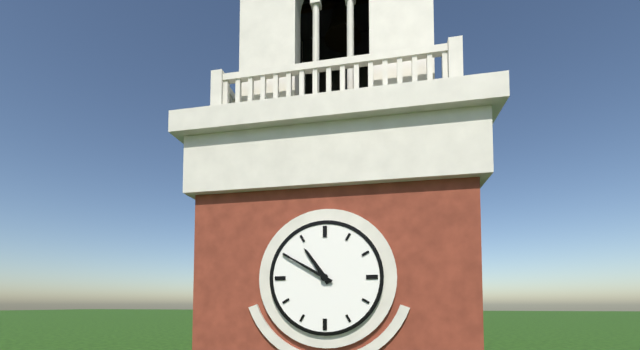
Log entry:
h=10 m=50
